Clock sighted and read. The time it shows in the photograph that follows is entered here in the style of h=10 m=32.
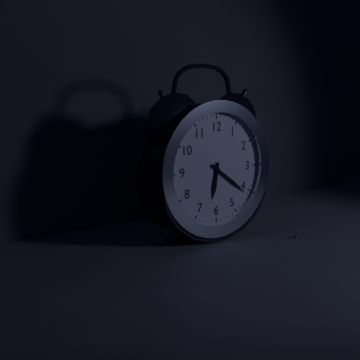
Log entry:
h=6 m=21
